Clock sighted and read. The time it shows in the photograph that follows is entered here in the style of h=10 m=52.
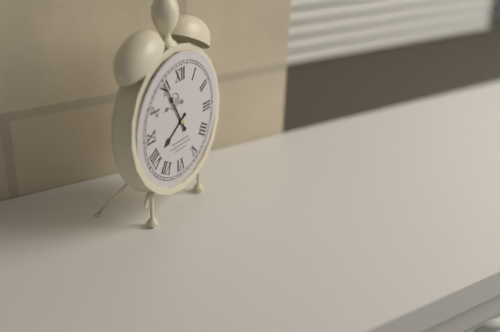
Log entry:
h=7 m=55
